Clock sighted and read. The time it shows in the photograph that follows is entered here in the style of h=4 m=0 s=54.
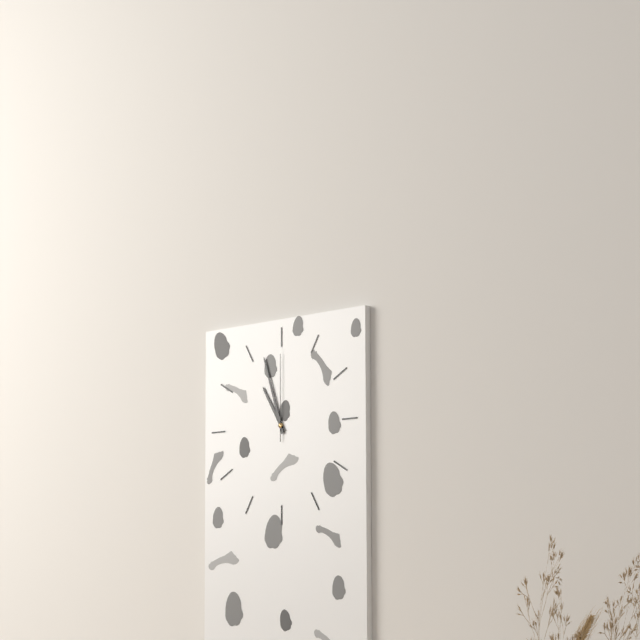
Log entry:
h=10 m=57 s=0
